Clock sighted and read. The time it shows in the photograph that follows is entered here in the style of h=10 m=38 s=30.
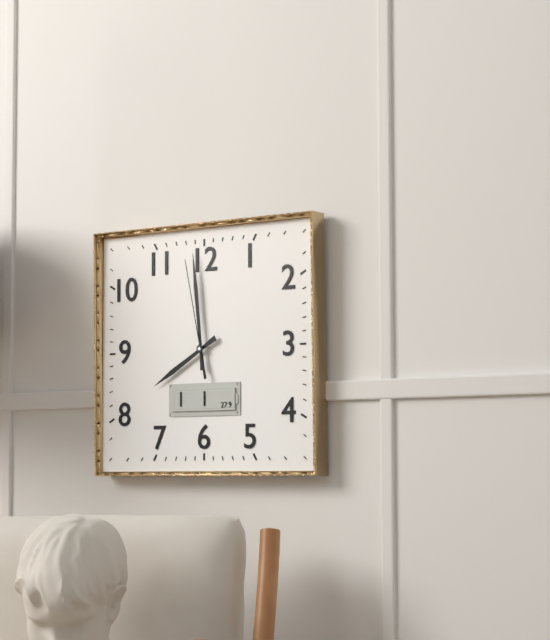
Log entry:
h=7 m=59 s=58
